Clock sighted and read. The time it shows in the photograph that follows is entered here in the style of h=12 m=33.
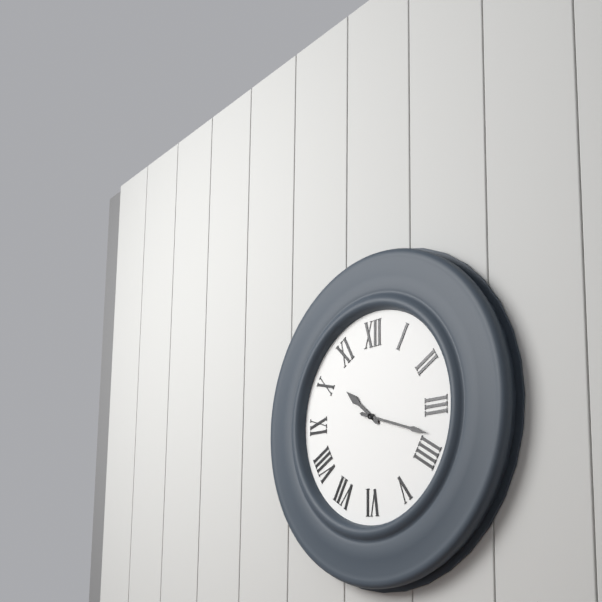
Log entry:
h=10 m=18
